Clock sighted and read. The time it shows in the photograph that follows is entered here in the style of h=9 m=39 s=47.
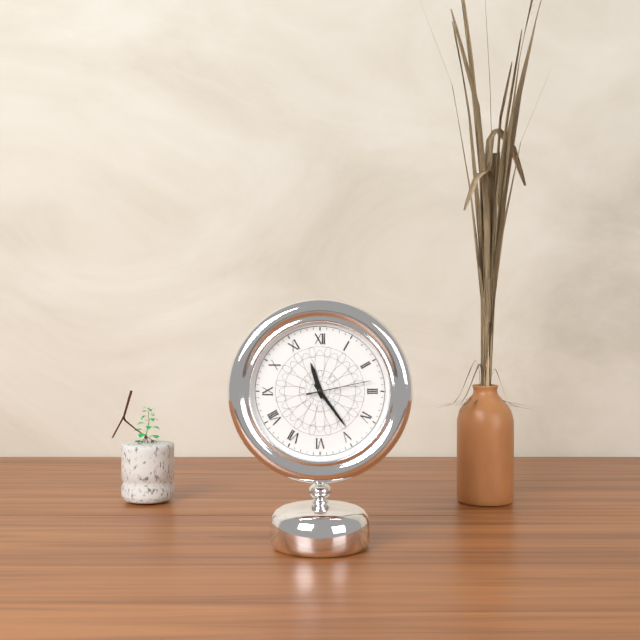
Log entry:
h=11 m=24 s=13
